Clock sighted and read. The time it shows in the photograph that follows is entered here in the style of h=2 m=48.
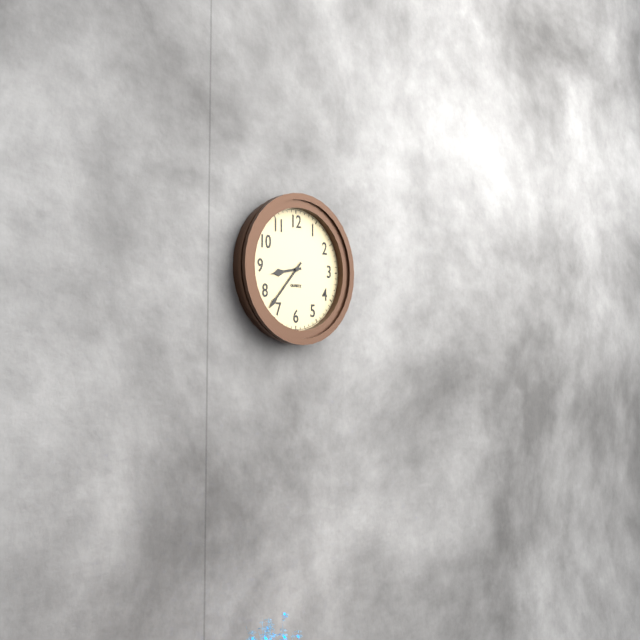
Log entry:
h=8 m=37
